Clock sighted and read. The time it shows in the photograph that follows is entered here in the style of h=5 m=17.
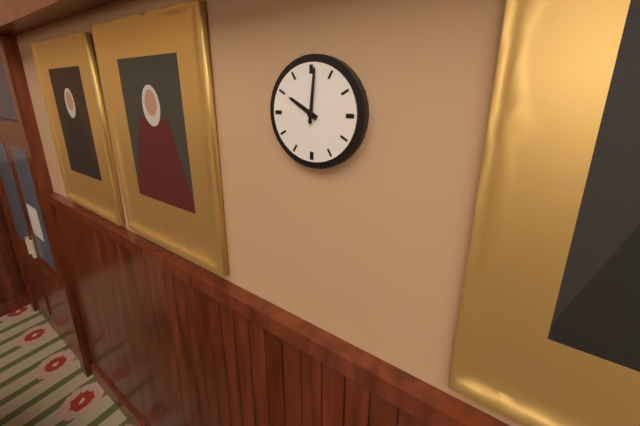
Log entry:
h=10 m=1
